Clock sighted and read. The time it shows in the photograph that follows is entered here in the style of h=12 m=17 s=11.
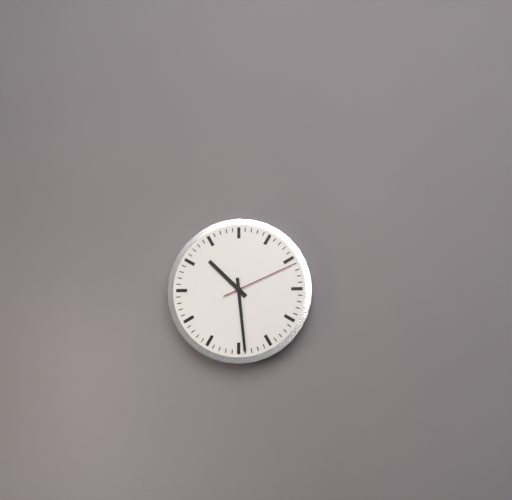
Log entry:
h=10 m=29 s=11
